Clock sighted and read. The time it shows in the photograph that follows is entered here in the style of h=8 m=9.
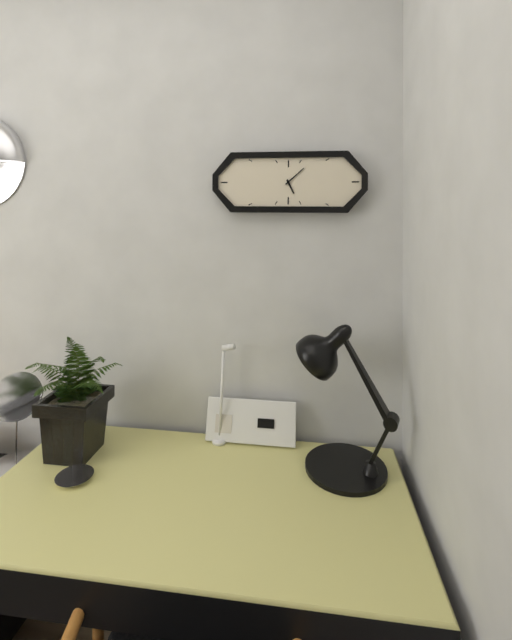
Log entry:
h=5 m=8
